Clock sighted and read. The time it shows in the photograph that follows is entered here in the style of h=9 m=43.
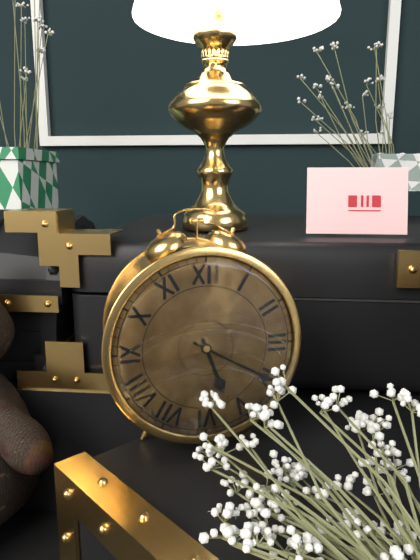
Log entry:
h=5 m=20
